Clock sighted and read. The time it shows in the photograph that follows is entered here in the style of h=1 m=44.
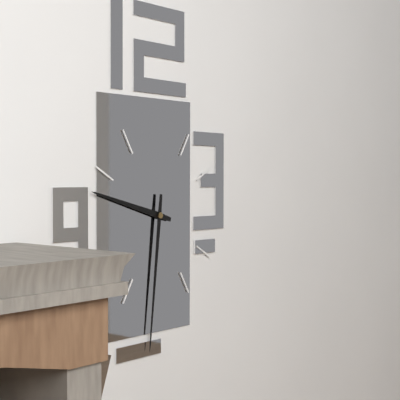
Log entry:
h=9 m=31
